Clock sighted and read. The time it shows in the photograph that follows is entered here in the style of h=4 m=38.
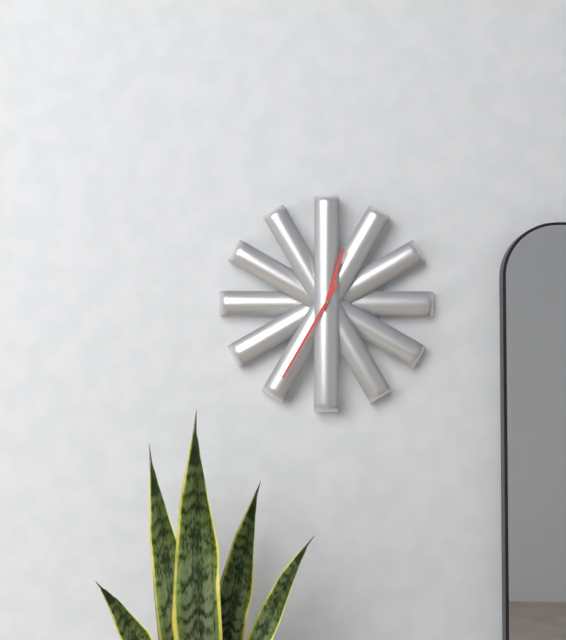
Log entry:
h=12 m=35
